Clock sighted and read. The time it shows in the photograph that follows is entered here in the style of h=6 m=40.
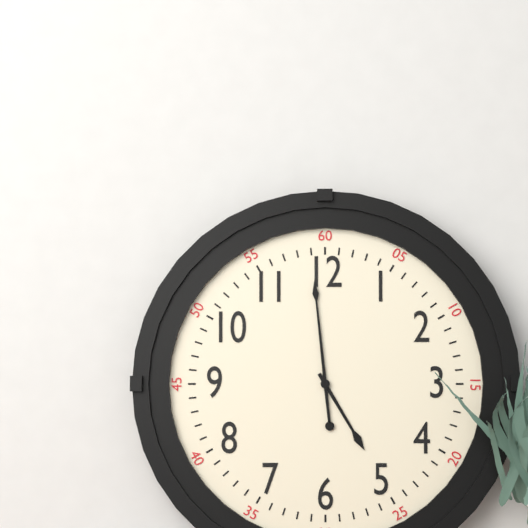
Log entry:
h=4 m=59
